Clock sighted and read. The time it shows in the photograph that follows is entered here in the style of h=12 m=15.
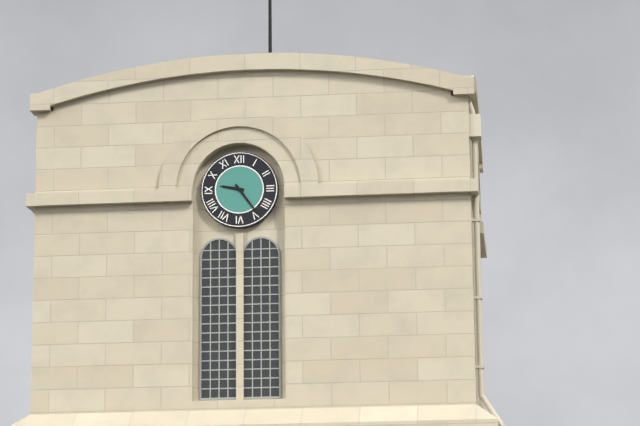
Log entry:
h=9 m=24
